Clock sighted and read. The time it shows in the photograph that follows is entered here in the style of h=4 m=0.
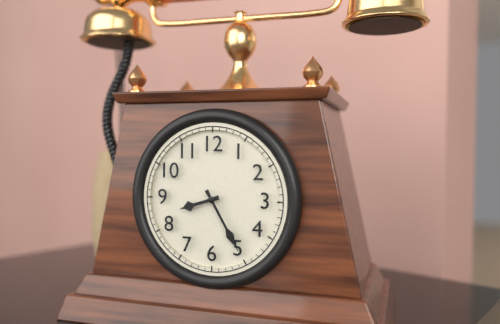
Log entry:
h=8 m=25
